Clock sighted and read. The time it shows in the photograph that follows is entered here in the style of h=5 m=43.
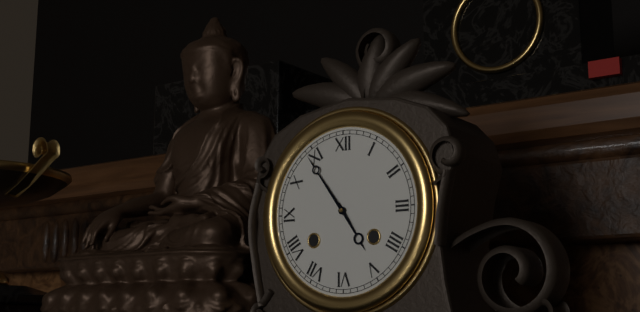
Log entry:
h=4 m=54
